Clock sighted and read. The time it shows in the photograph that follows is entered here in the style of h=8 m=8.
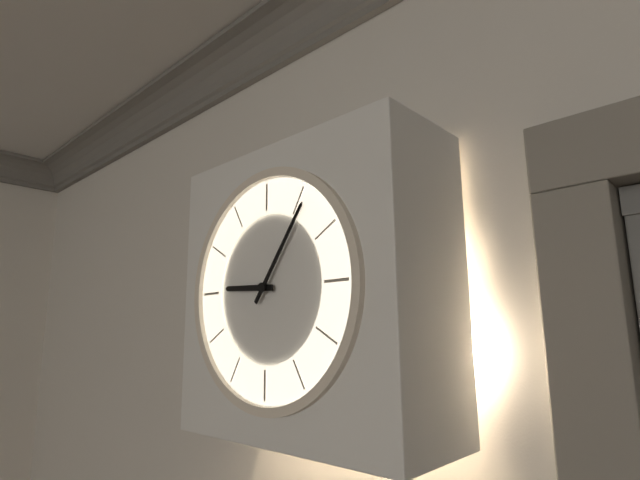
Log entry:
h=9 m=6
